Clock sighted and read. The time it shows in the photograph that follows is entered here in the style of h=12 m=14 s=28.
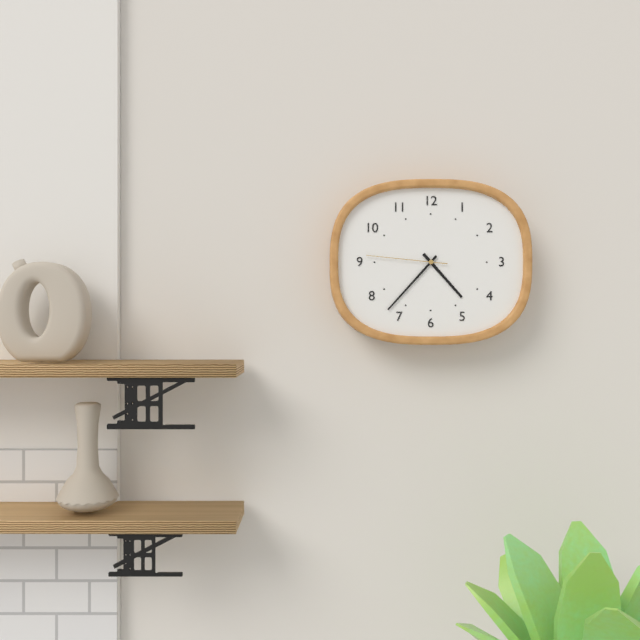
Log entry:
h=4 m=37 s=46
